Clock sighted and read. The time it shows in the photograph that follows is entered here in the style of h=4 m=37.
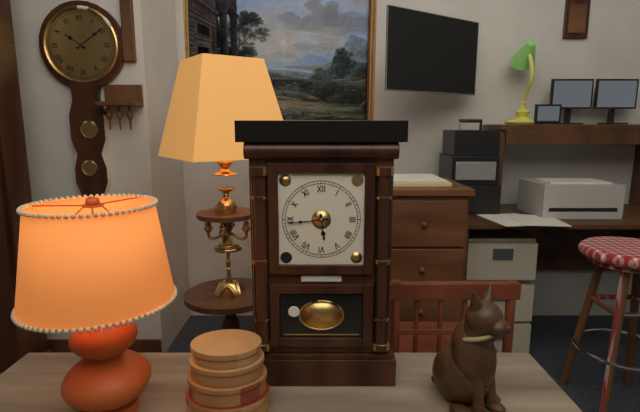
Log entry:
h=5 m=44
